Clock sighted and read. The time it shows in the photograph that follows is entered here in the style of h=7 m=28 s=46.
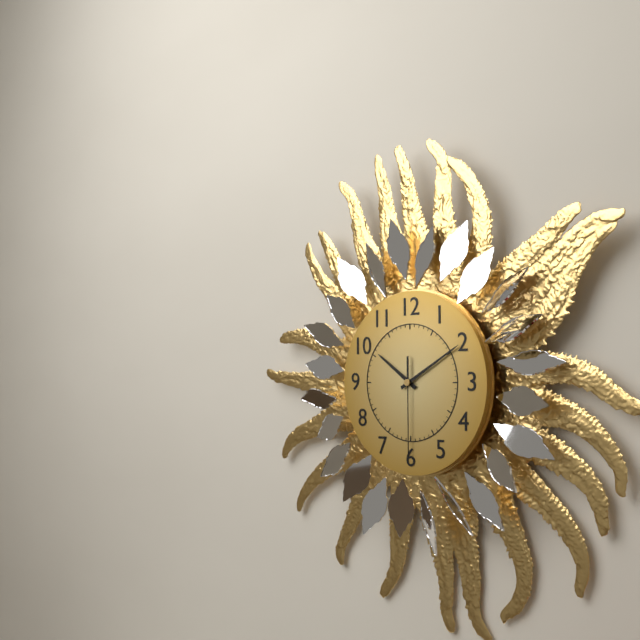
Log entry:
h=10 m=10 s=30
